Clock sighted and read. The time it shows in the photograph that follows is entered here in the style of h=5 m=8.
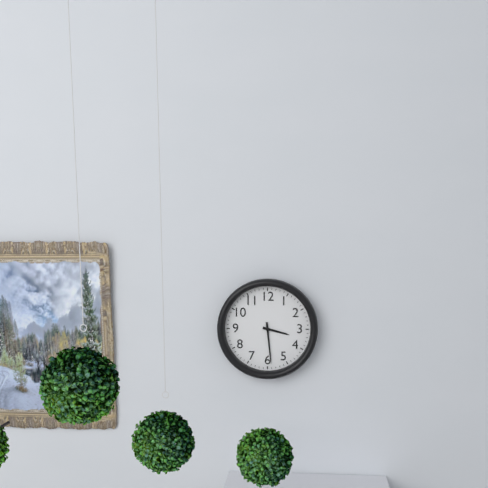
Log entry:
h=3 m=29
